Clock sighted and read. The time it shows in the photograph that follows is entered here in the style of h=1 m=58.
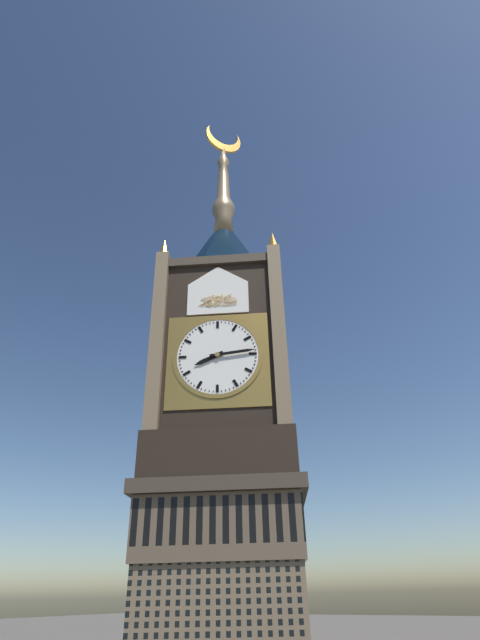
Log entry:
h=8 m=14
